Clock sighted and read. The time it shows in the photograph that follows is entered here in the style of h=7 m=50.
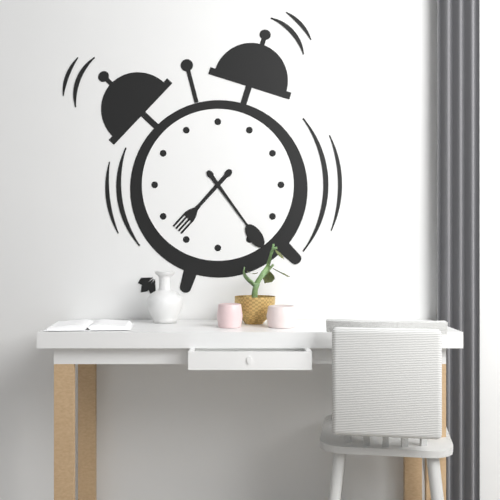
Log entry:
h=7 m=24
